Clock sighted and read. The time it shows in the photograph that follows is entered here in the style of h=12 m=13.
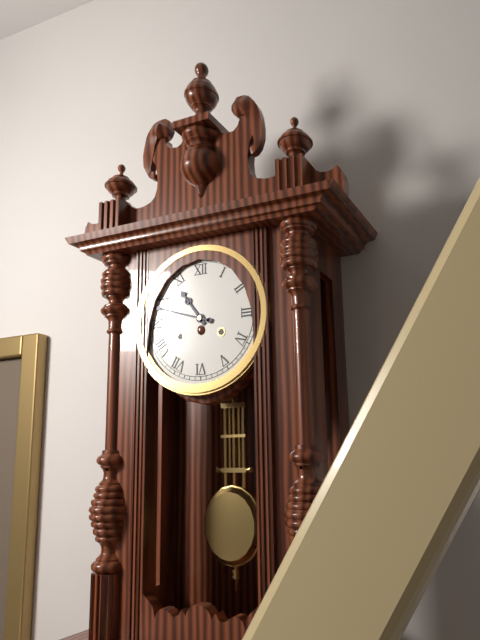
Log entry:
h=10 m=48
